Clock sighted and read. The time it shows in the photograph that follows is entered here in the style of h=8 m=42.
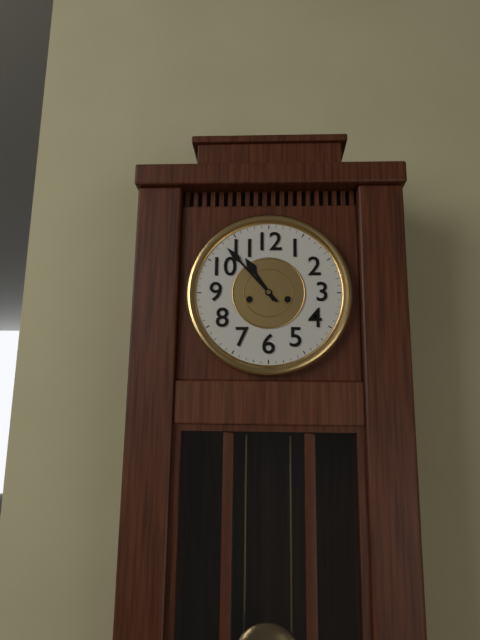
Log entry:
h=10 m=53
